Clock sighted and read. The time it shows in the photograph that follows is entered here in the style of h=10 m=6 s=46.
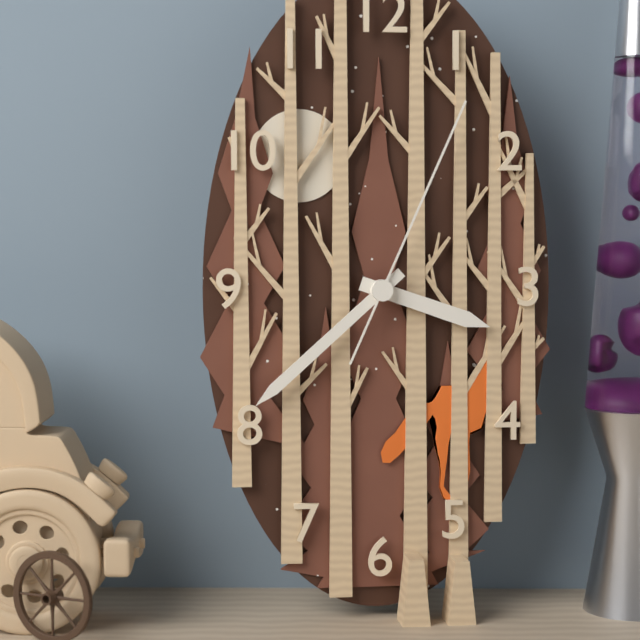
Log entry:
h=3 m=38 s=4
